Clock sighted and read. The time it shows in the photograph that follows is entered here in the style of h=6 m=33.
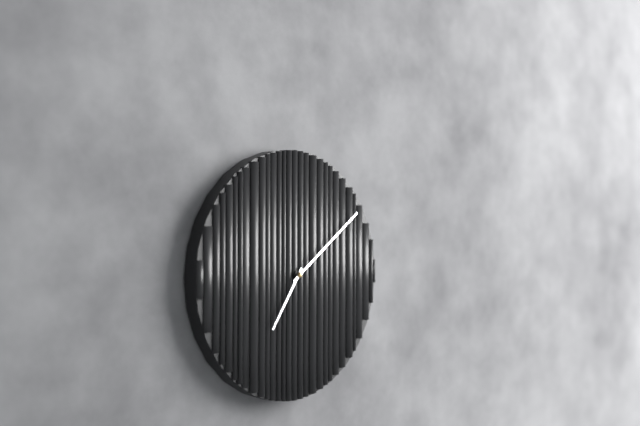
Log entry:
h=7 m=9
